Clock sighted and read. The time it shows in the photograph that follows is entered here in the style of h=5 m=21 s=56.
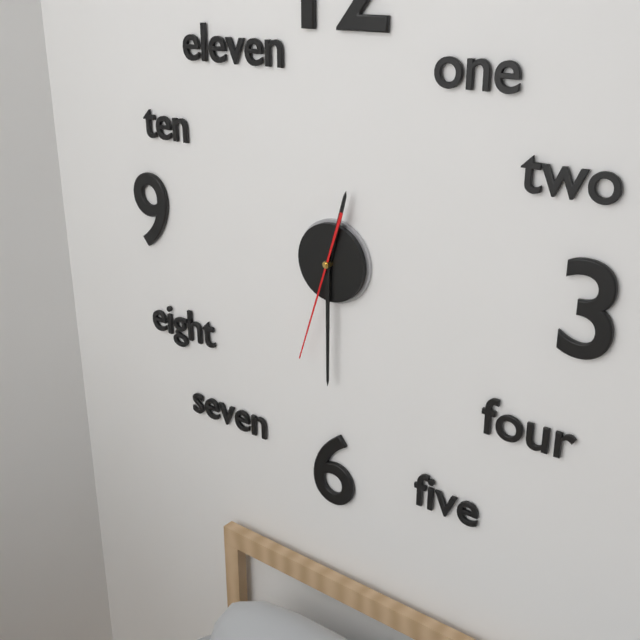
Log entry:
h=12 m=30 s=33
